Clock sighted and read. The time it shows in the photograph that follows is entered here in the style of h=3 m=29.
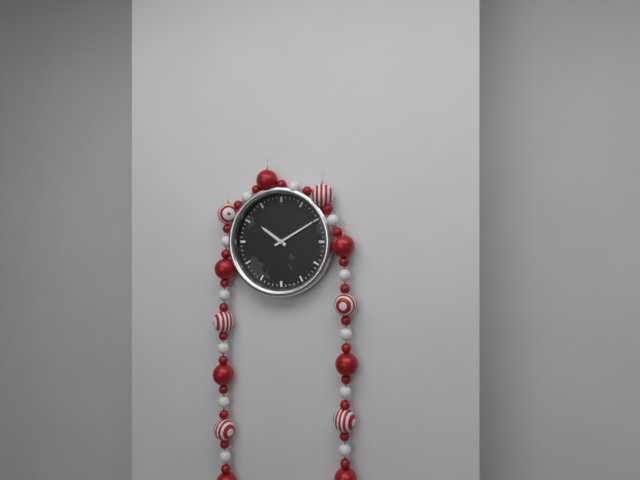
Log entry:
h=10 m=10
